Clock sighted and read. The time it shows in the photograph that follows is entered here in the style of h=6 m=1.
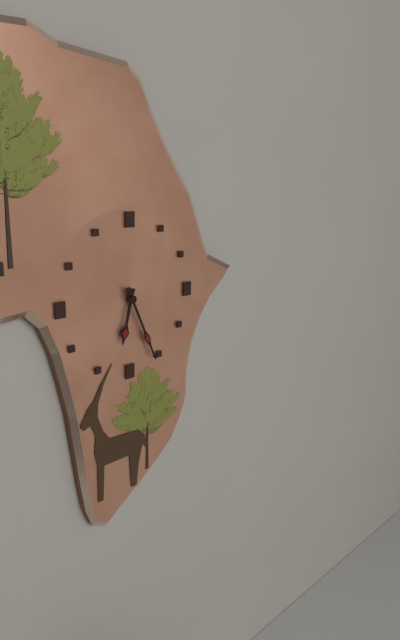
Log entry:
h=6 m=26
